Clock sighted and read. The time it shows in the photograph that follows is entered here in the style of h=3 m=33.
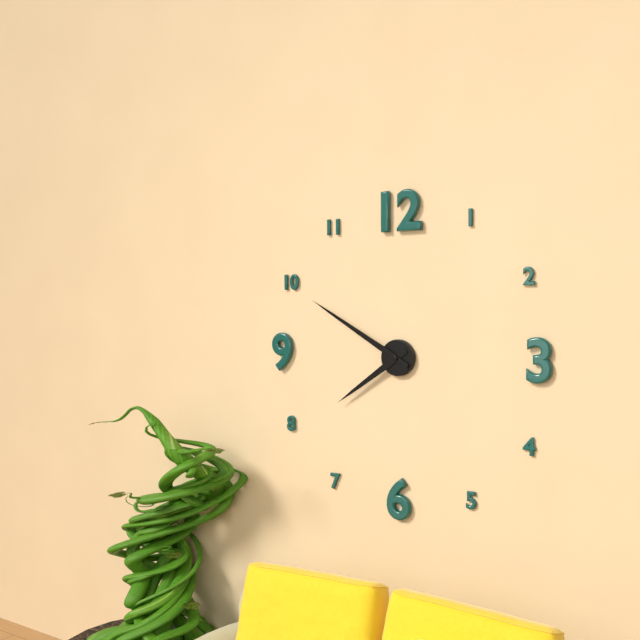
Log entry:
h=7 m=50
